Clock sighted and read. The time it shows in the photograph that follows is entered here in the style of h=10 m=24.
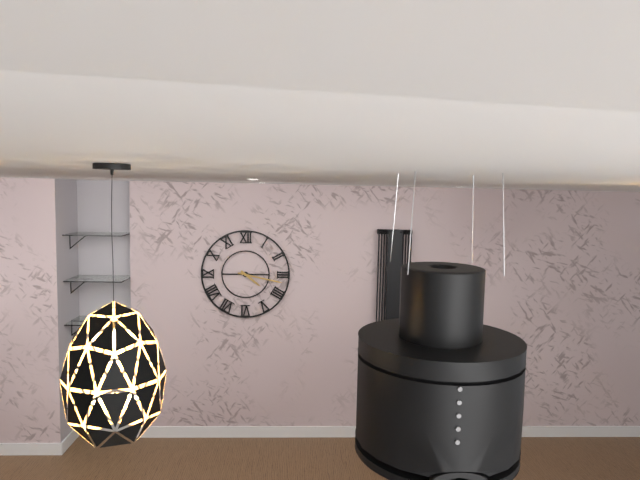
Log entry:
h=4 m=17
